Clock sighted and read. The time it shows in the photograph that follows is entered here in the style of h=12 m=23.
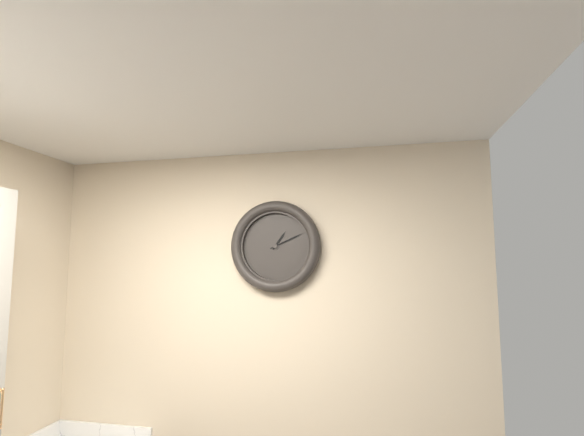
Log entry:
h=1 m=11
